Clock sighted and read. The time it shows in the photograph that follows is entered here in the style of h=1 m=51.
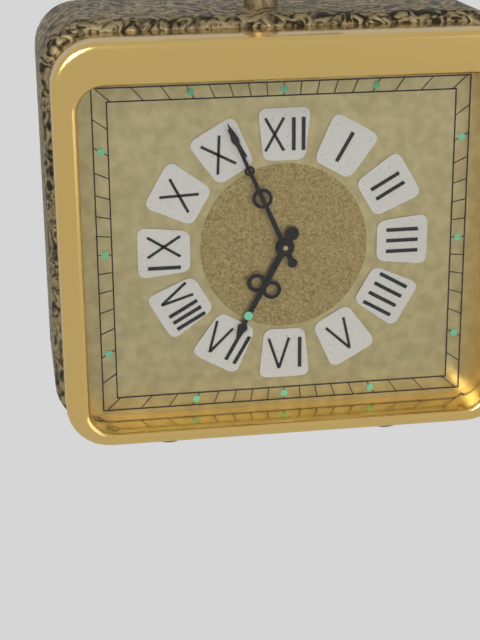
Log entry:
h=6 m=56
